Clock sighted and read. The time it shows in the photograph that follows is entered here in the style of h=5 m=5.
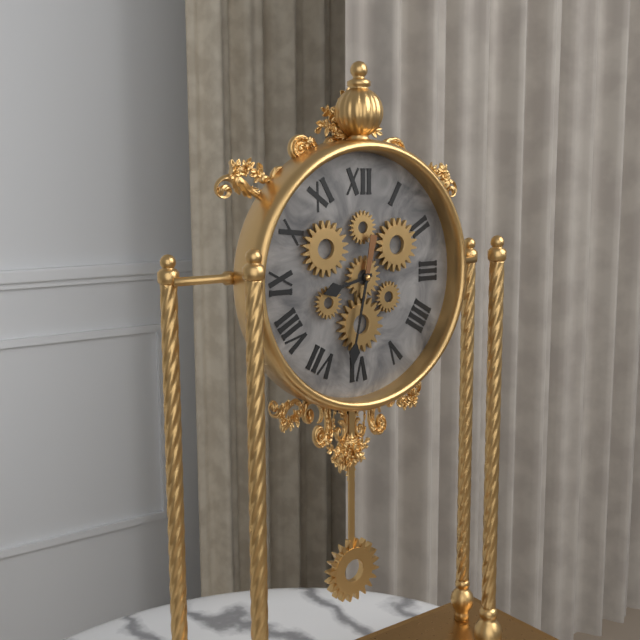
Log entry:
h=8 m=32
